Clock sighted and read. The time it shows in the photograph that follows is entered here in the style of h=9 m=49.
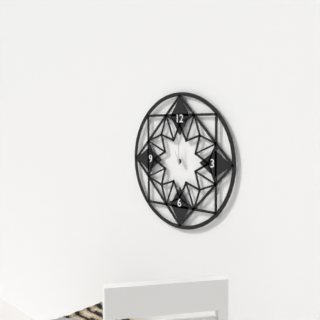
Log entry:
h=11 m=0
